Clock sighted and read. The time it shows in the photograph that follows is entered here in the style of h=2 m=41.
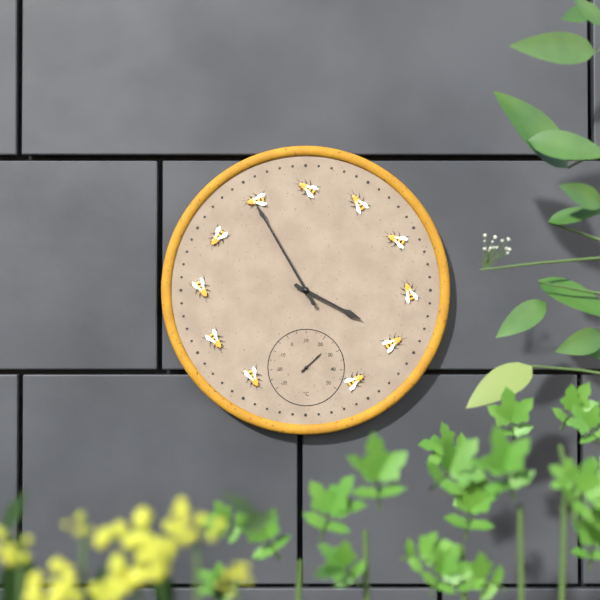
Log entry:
h=3 m=55
